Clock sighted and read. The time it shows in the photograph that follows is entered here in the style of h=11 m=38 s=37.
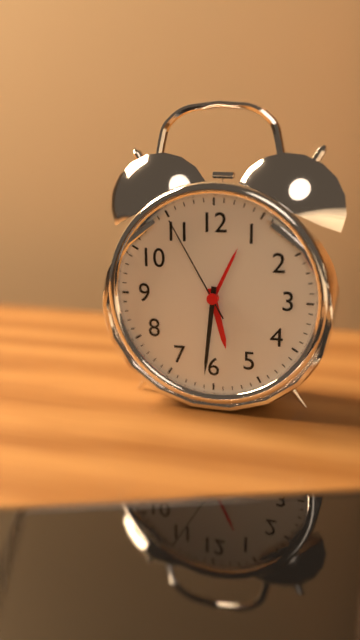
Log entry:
h=5 m=31 s=55
